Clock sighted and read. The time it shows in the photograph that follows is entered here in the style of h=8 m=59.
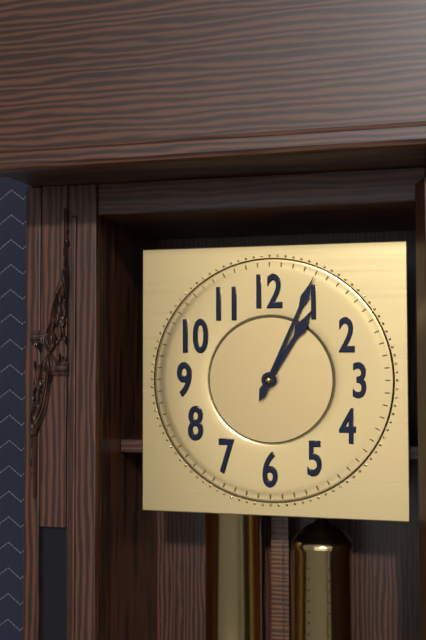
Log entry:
h=1 m=4
